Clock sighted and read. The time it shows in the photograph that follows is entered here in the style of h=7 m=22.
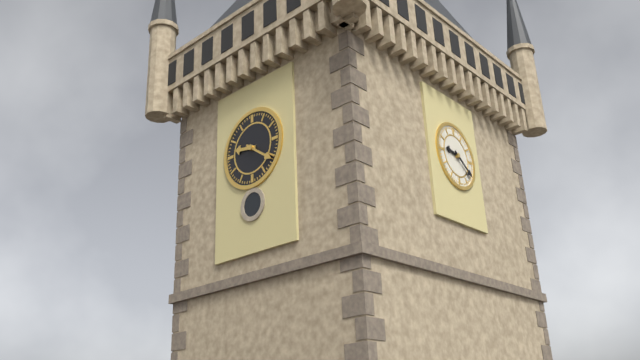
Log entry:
h=9 m=21
